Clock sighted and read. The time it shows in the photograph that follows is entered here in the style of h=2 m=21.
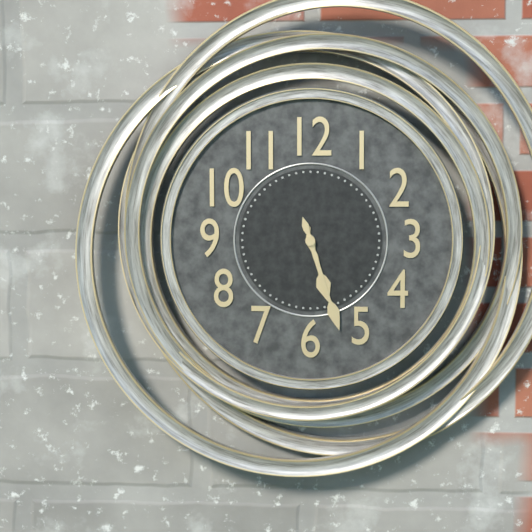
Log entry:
h=5 m=27
